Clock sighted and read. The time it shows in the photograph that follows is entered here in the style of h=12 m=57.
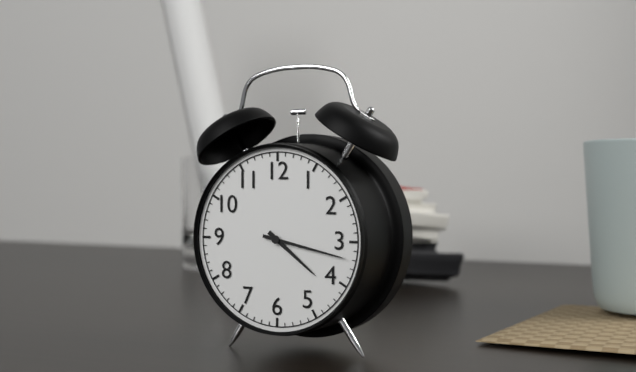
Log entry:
h=4 m=17
